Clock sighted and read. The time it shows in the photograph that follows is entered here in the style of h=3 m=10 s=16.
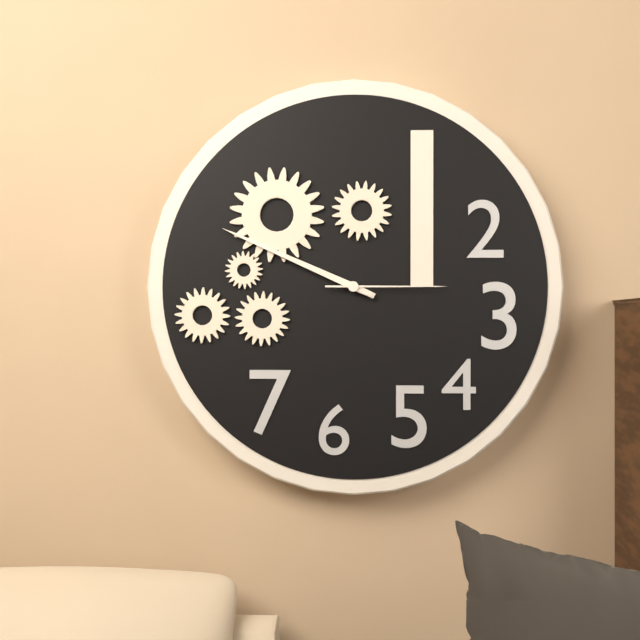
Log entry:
h=9 m=49 s=15
